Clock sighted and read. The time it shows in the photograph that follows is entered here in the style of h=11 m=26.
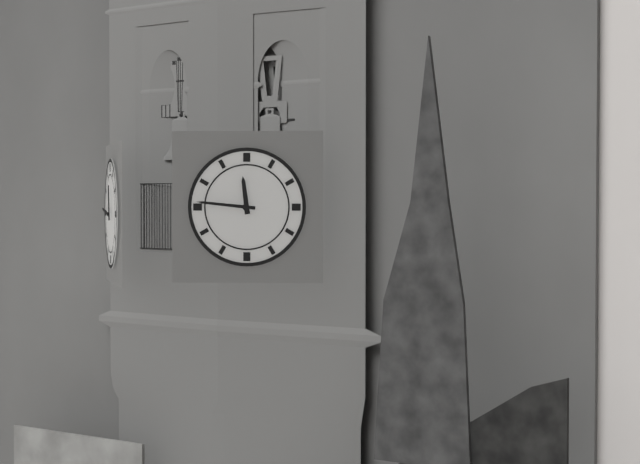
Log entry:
h=11 m=46
